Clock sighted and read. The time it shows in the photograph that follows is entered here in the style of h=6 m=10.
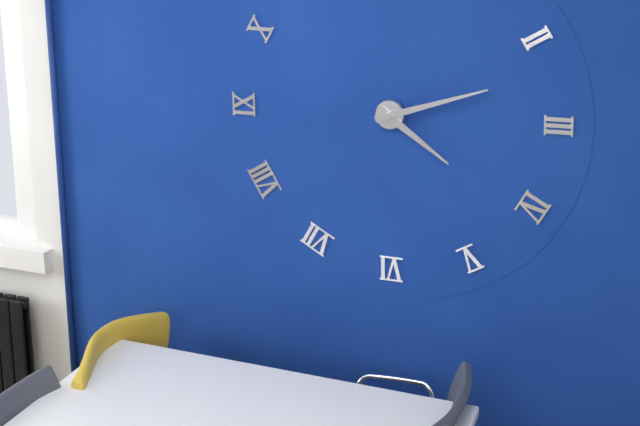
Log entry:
h=4 m=12
